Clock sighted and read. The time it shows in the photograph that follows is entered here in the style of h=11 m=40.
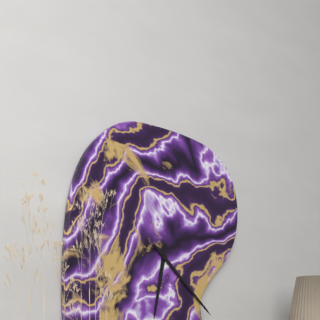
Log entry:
h=6 m=22
